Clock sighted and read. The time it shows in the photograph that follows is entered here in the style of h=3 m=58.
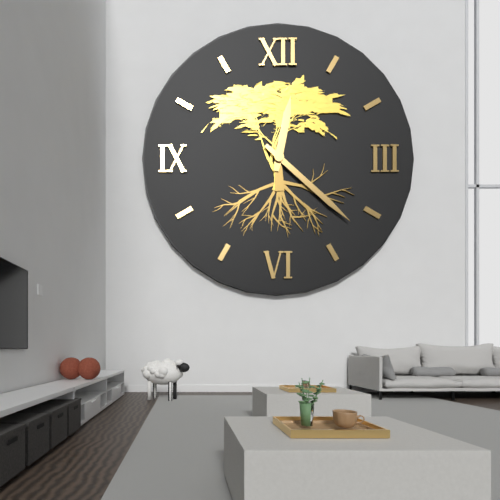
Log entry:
h=12 m=22
